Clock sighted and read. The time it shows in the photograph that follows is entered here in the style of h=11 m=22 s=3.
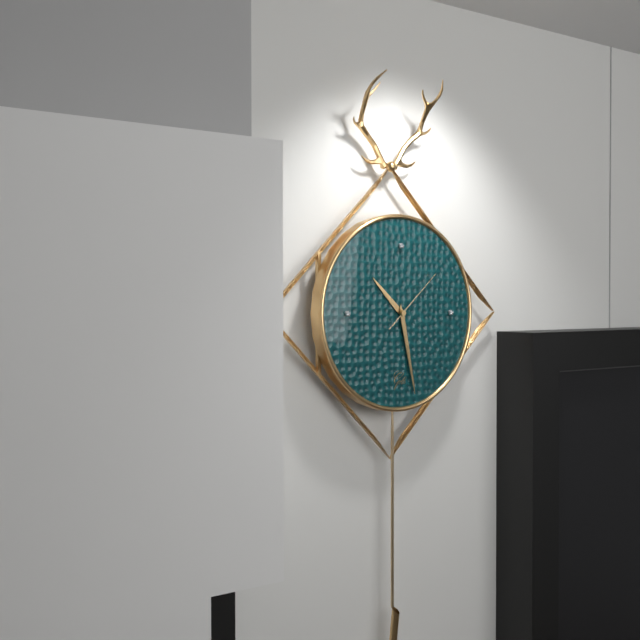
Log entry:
h=10 m=28 s=8
